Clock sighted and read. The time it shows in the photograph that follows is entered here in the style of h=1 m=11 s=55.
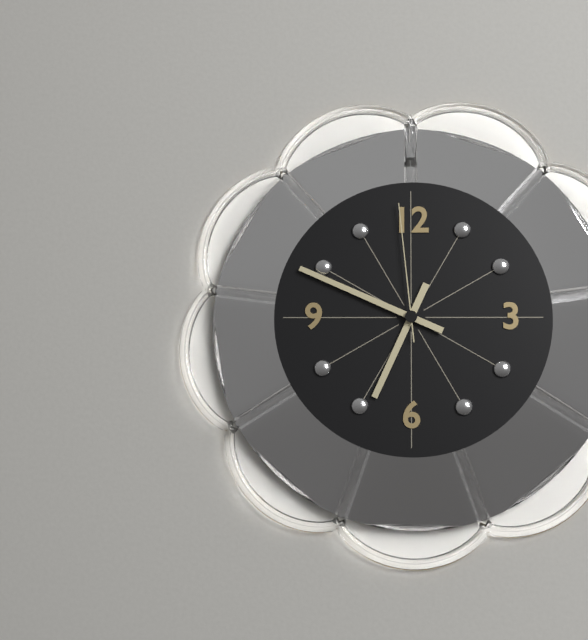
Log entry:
h=6 m=49 s=59
